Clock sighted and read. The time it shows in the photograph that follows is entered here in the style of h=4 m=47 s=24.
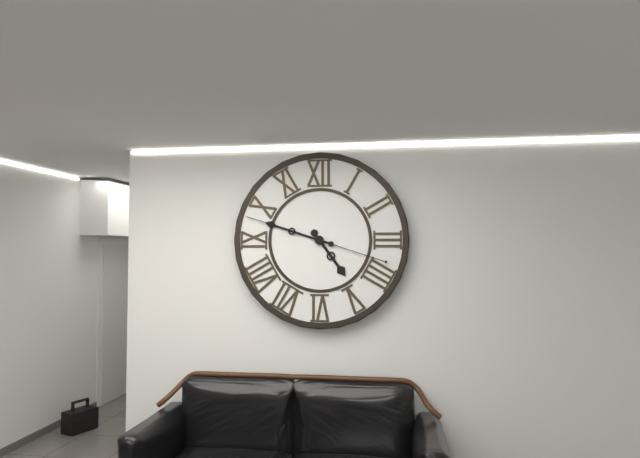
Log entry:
h=4 m=48 s=48
